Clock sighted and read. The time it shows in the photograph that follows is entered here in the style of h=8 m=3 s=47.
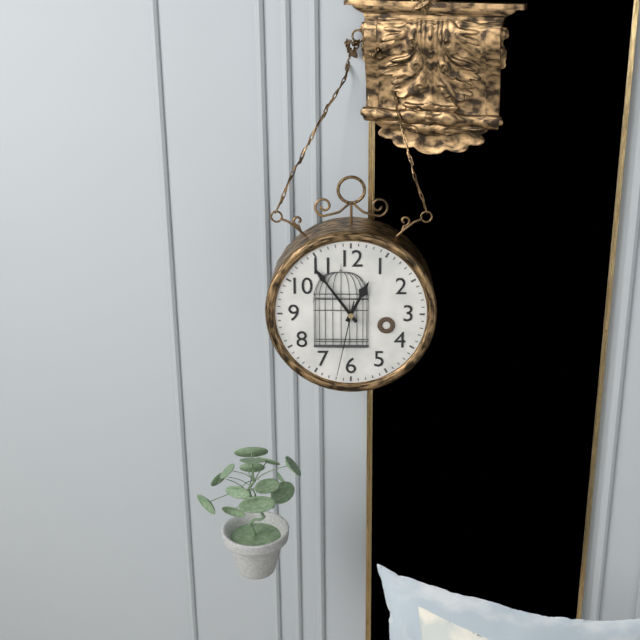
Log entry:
h=12 m=54 s=32
